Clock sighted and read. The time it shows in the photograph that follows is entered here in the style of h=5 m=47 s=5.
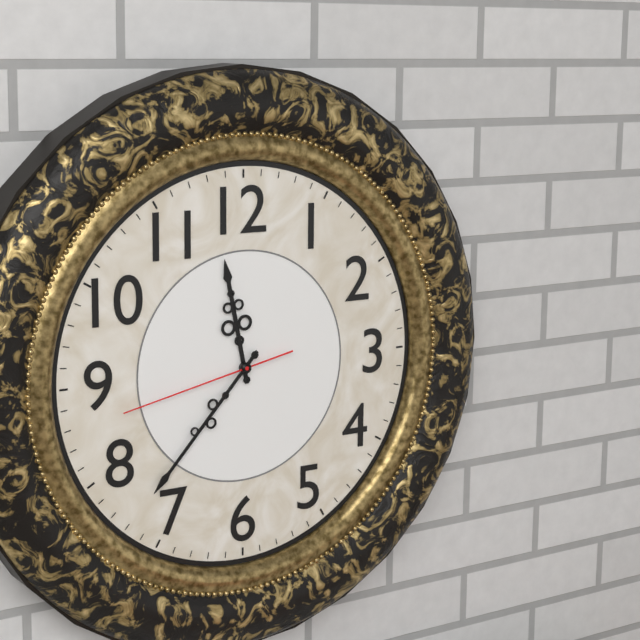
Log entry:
h=11 m=37 s=43
